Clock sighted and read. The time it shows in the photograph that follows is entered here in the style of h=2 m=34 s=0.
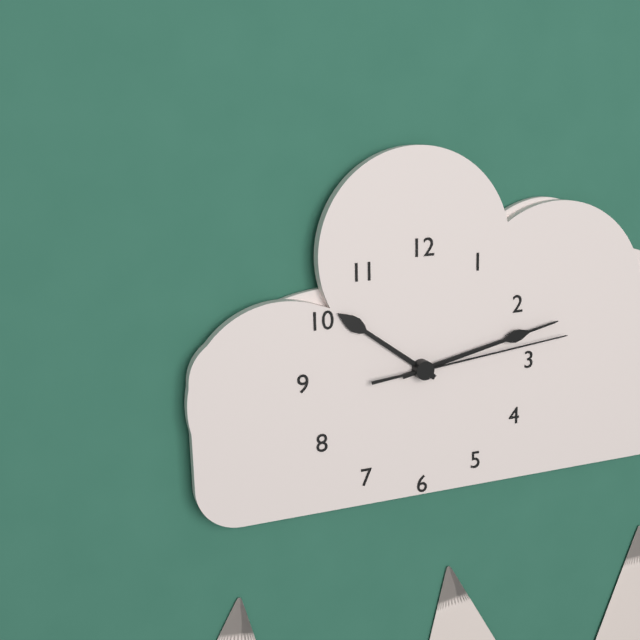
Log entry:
h=10 m=13 s=14
